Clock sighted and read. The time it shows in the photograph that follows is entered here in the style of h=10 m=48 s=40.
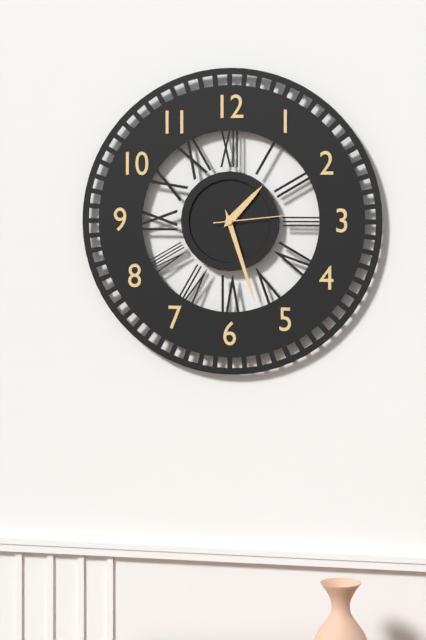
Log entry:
h=1 m=27 s=14
